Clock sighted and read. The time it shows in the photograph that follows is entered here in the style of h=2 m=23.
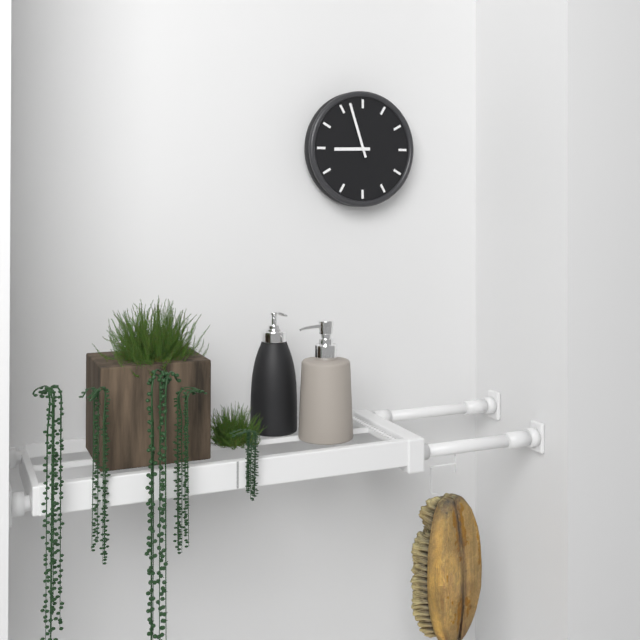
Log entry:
h=8 m=57
